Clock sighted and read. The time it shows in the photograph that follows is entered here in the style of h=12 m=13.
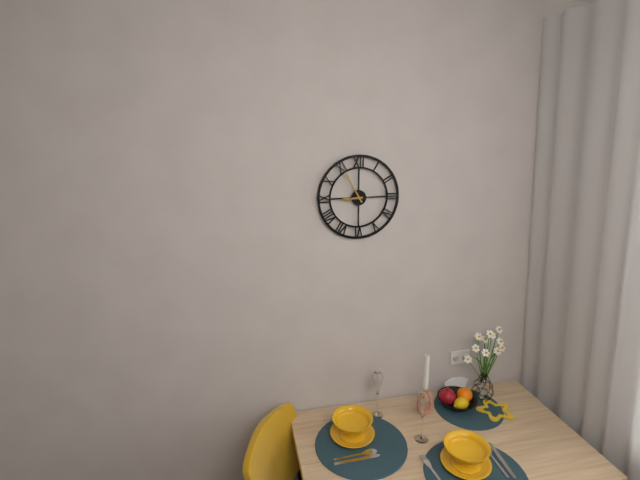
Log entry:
h=8 m=55
